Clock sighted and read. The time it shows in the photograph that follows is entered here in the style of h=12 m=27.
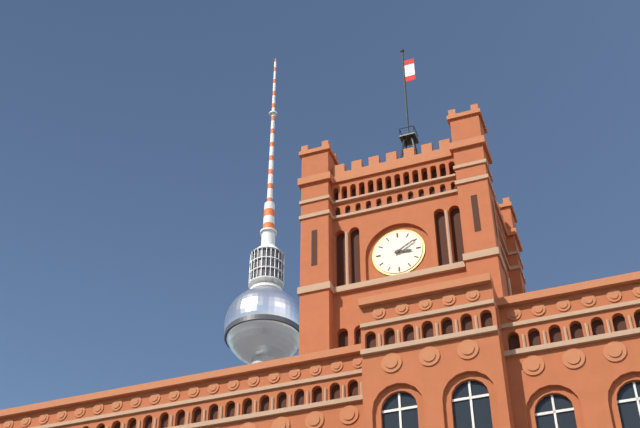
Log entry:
h=3 m=10
